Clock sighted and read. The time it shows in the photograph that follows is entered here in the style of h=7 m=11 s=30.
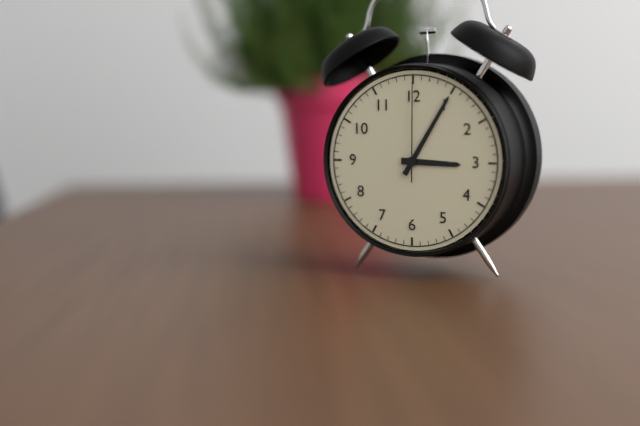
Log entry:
h=3 m=5 s=0
